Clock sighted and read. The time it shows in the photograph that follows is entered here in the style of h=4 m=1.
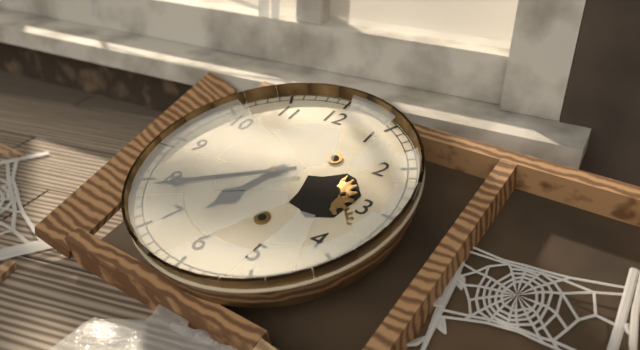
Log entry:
h=6 m=39
